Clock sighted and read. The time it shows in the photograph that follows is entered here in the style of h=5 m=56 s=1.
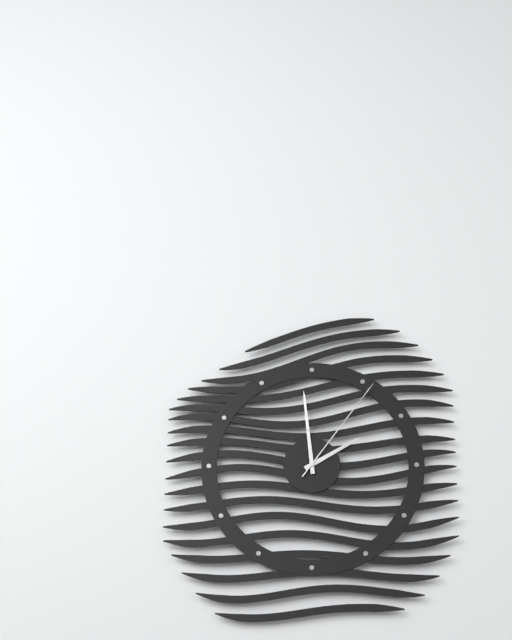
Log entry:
h=1 m=59 s=6
